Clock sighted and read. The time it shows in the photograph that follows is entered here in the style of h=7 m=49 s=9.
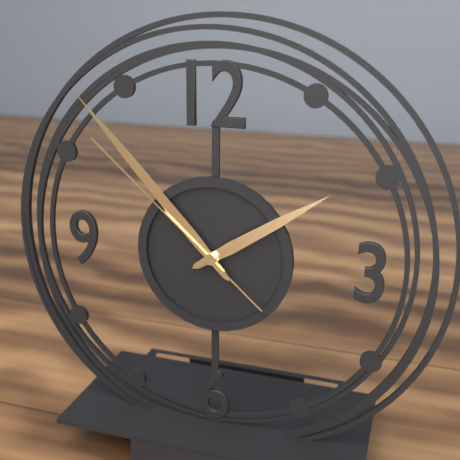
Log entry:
h=1 m=53 s=52
